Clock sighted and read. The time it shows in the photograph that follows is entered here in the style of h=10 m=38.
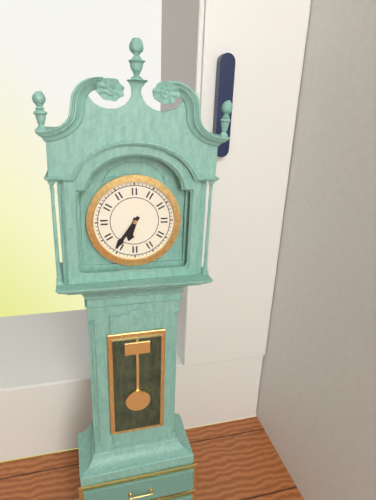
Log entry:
h=6 m=36
